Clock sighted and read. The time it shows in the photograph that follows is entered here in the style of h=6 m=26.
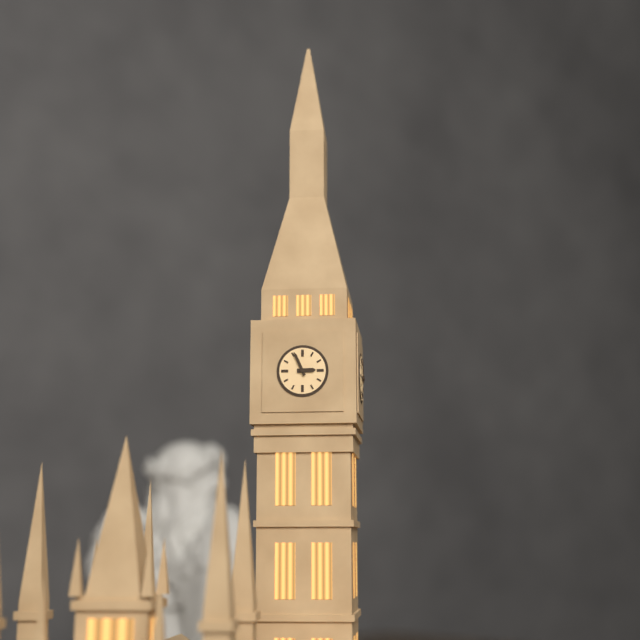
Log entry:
h=2 m=56
